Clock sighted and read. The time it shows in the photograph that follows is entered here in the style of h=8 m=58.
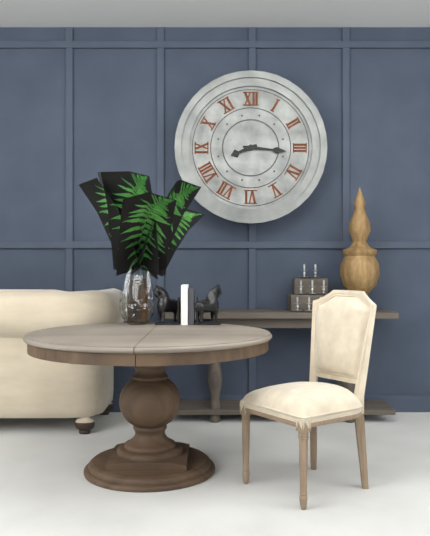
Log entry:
h=8 m=16
